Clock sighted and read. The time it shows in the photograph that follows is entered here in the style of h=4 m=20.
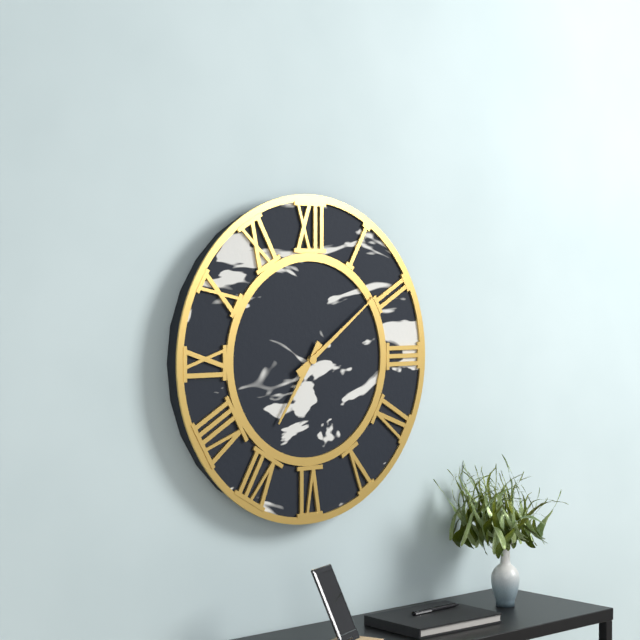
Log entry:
h=7 m=9
